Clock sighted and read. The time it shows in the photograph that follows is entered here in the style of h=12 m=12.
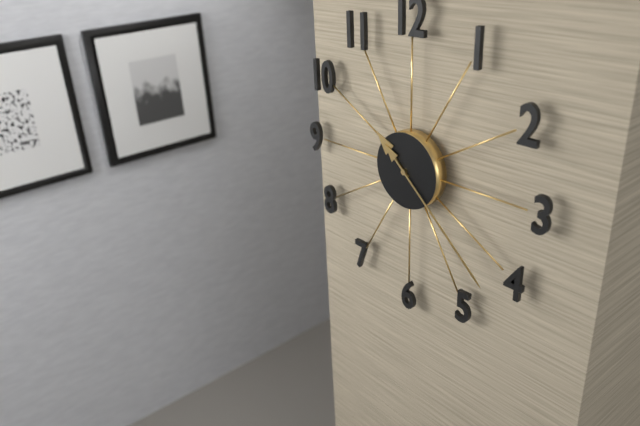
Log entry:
h=10 m=22
